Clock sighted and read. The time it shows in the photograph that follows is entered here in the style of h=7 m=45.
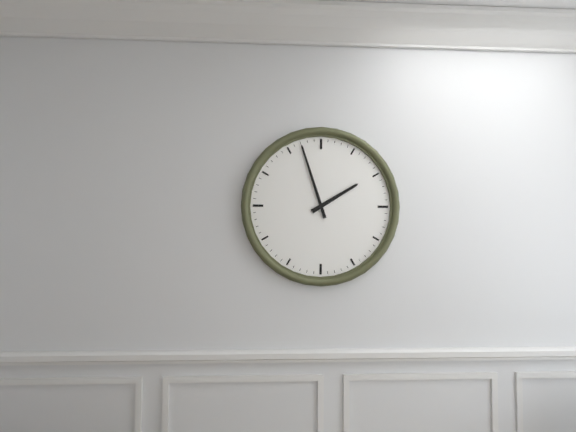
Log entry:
h=1 m=57
